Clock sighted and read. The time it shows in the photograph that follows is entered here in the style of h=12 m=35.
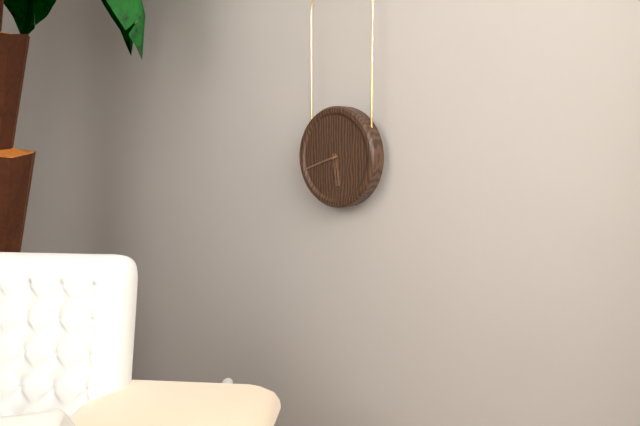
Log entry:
h=5 m=42
